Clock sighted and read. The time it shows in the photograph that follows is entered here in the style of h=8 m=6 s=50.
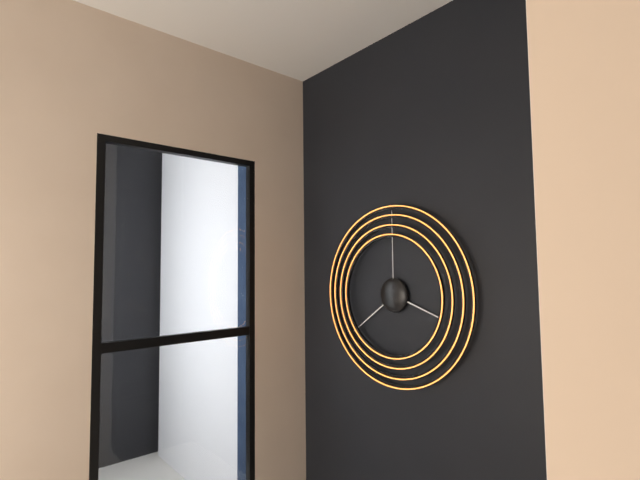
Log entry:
h=3 m=39 s=0
